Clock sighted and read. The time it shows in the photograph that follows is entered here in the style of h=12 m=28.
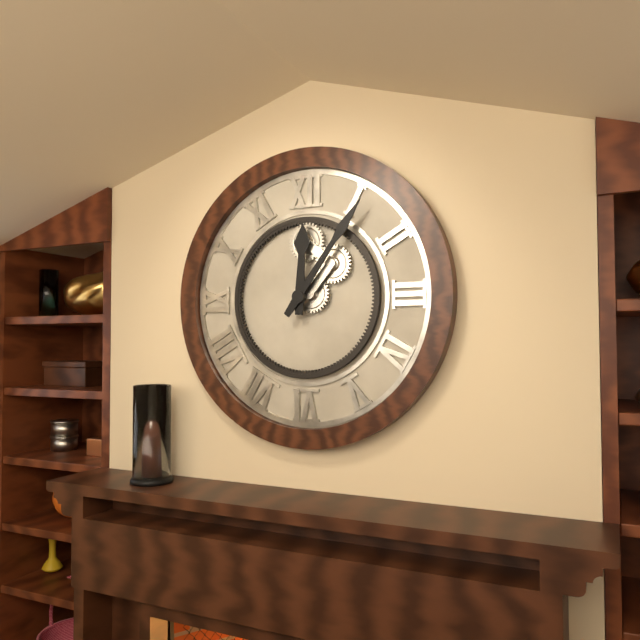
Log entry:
h=12 m=6
